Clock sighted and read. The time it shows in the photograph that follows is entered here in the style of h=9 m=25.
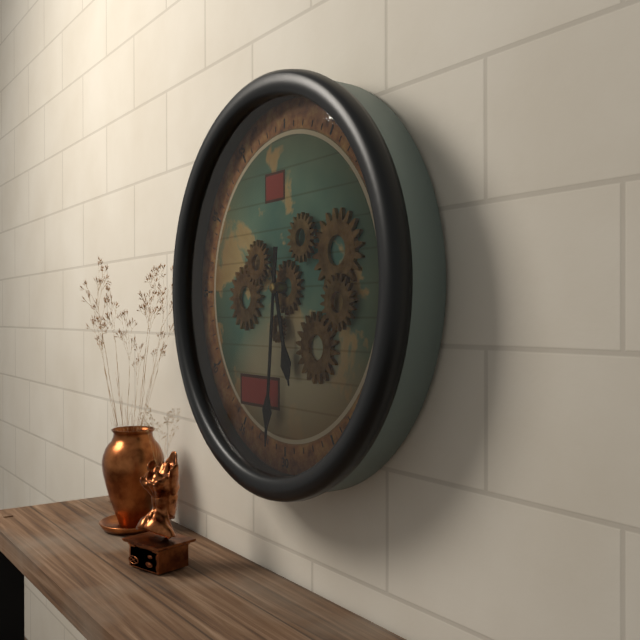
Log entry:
h=5 m=31
